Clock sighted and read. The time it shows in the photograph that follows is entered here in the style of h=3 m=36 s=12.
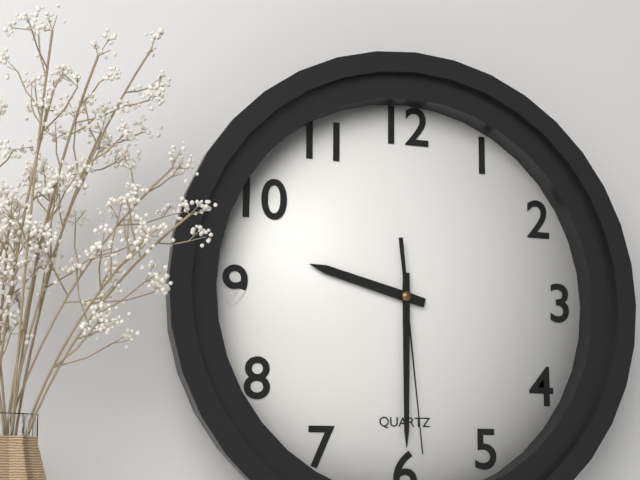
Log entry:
h=9 m=30 s=29
